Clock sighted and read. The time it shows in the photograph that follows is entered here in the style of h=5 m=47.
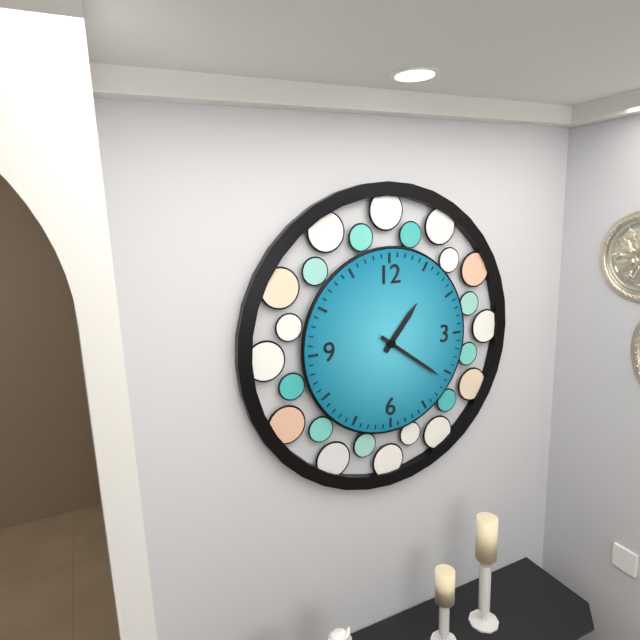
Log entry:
h=1 m=21
